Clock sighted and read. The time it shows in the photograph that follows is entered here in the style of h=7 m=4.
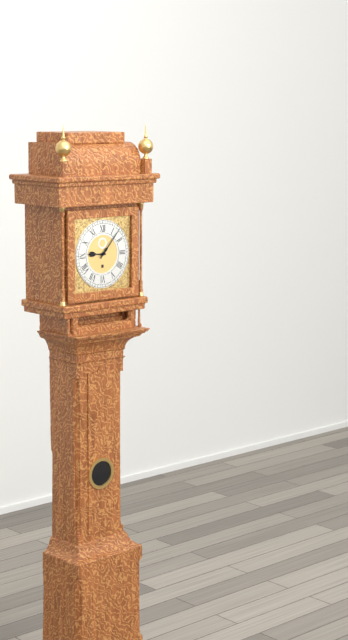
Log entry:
h=9 m=7
